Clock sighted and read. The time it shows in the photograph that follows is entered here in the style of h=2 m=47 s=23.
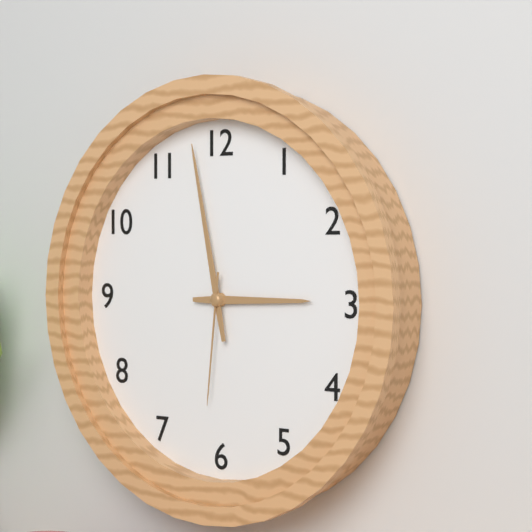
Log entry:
h=2 m=58 s=31
